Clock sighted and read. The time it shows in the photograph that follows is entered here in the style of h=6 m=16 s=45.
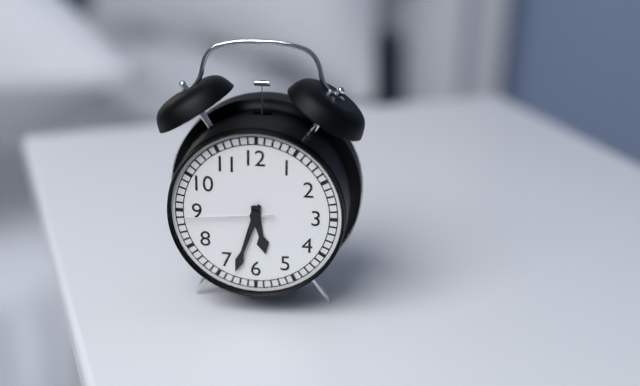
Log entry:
h=5 m=33 s=44
